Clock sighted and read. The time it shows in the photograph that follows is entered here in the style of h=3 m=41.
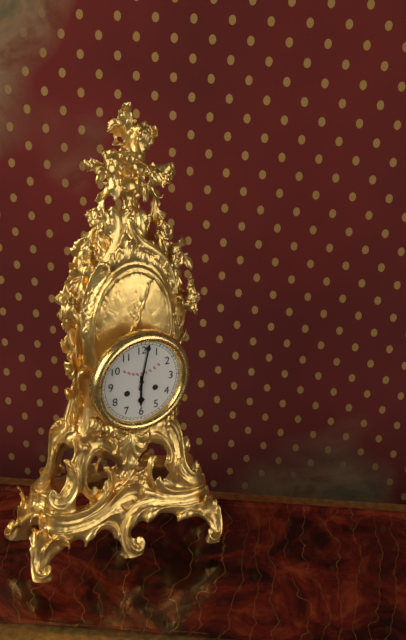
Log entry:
h=6 m=2
